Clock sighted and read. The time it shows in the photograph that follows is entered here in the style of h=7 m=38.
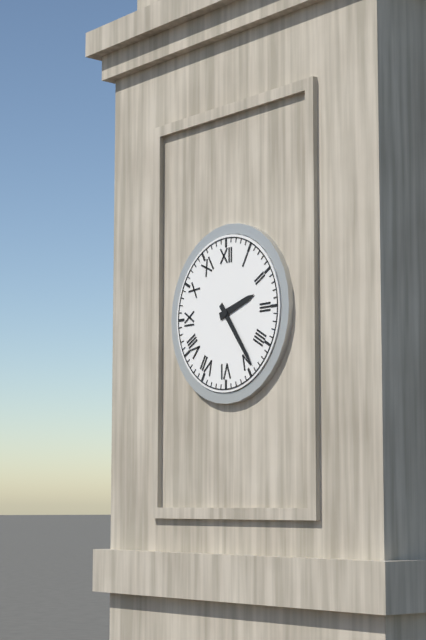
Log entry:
h=2 m=24
